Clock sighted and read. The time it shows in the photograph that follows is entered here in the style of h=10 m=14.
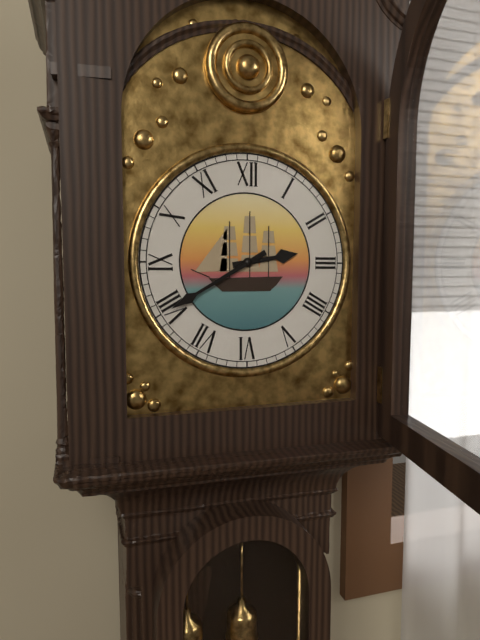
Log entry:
h=2 m=40
